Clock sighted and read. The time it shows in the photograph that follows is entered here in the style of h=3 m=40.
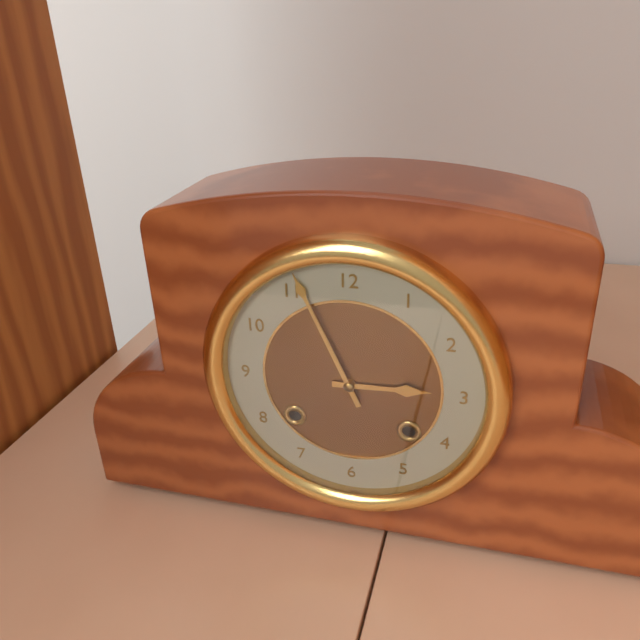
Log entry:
h=2 m=56
